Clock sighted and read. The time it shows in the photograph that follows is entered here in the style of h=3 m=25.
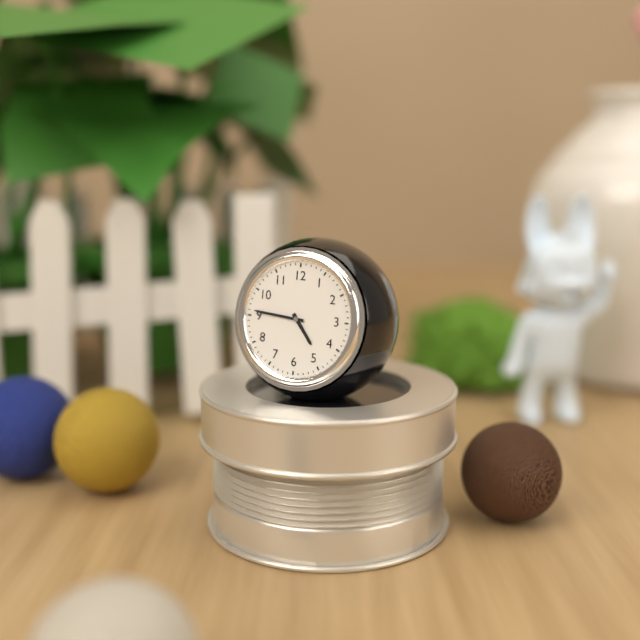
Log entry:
h=4 m=46
